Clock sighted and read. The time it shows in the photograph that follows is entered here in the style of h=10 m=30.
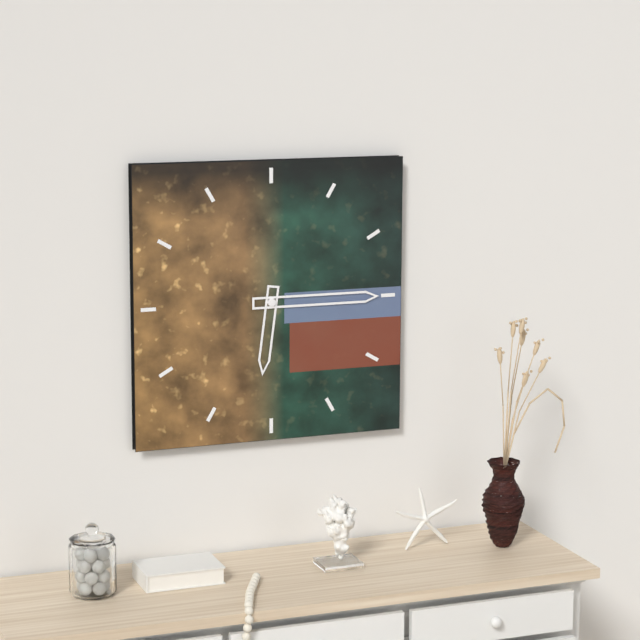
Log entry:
h=6 m=15
